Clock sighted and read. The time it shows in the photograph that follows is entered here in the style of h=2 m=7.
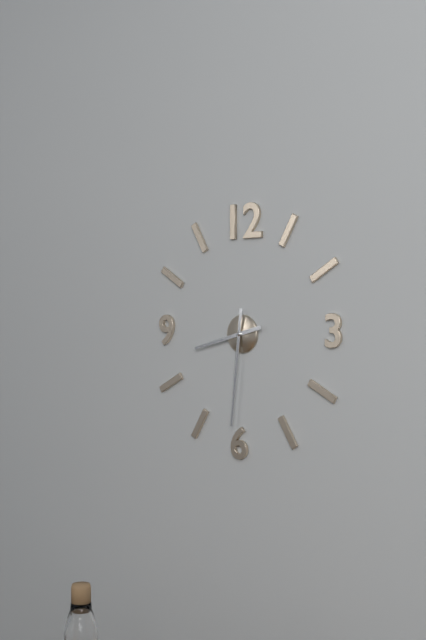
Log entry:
h=8 m=31
